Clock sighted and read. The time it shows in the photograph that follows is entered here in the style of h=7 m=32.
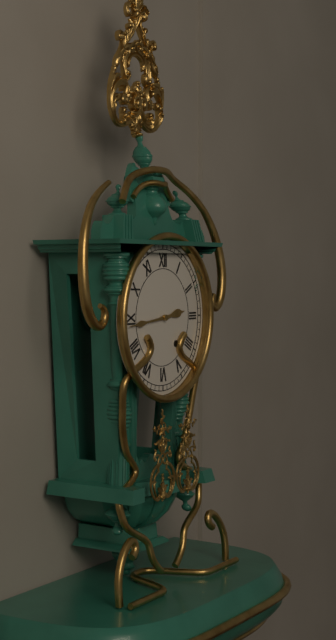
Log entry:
h=2 m=44
